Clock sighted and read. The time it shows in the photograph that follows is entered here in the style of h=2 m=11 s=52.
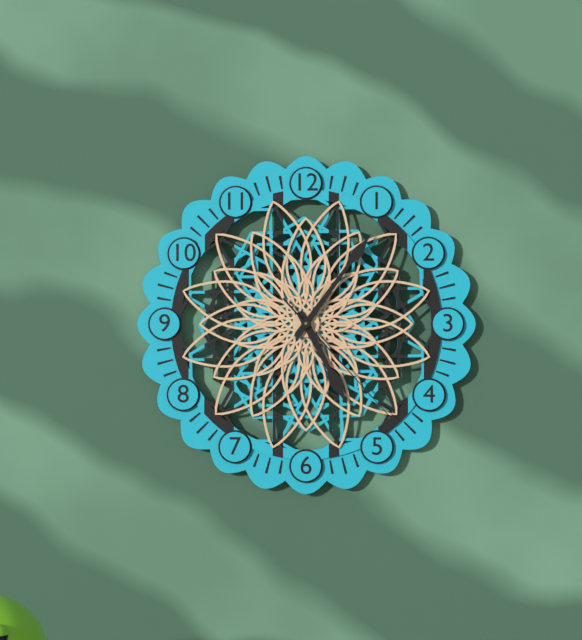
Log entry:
h=5 m=6 s=23
